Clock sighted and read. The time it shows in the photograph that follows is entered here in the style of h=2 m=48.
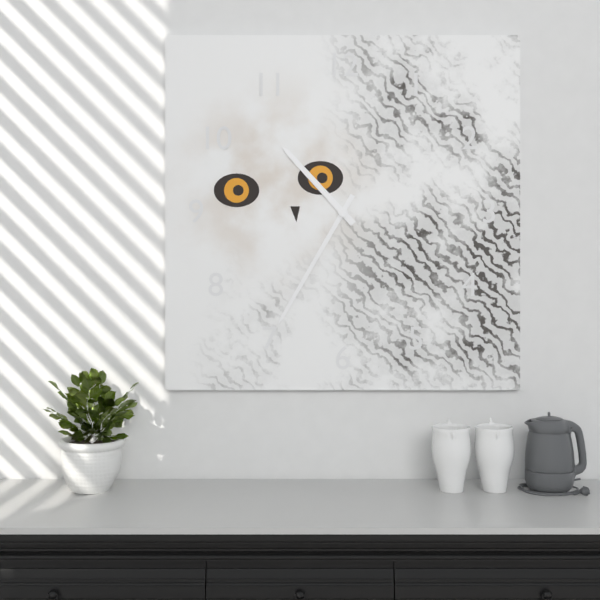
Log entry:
h=10 m=35
